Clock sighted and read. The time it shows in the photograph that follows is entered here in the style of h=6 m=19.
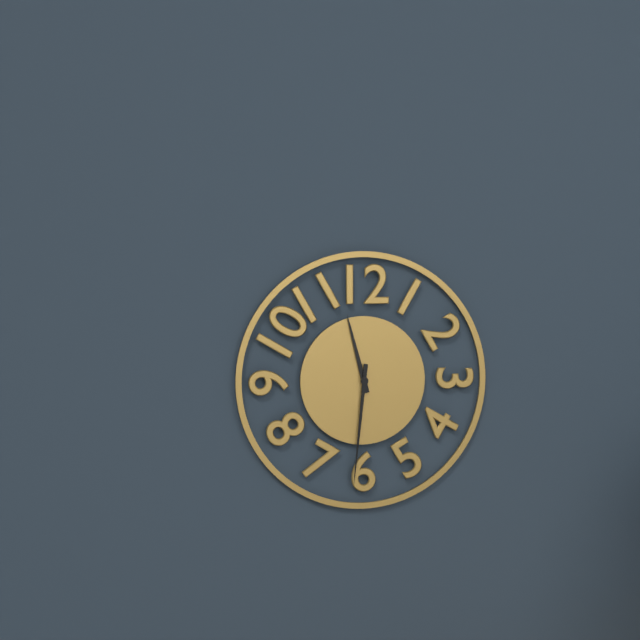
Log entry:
h=11 m=31
